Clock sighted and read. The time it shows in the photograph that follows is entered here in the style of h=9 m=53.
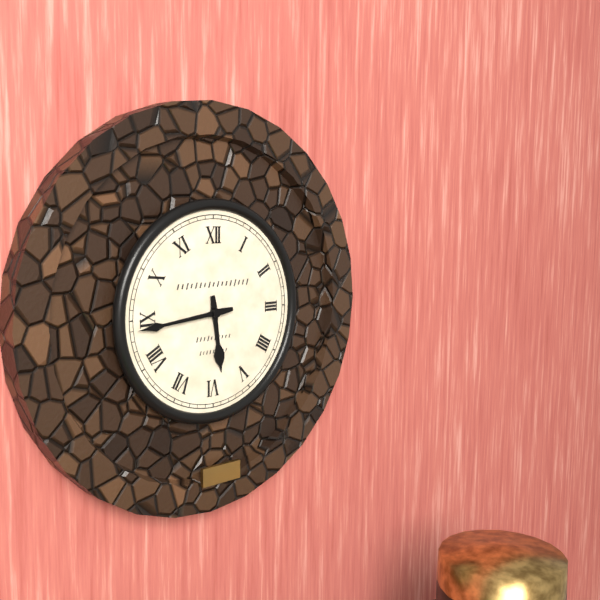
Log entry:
h=5 m=44
